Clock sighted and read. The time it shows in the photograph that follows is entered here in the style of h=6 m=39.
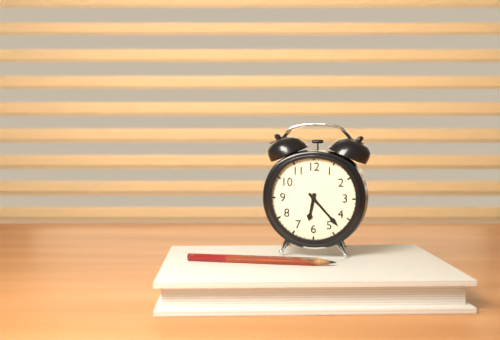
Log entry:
h=6 m=23
